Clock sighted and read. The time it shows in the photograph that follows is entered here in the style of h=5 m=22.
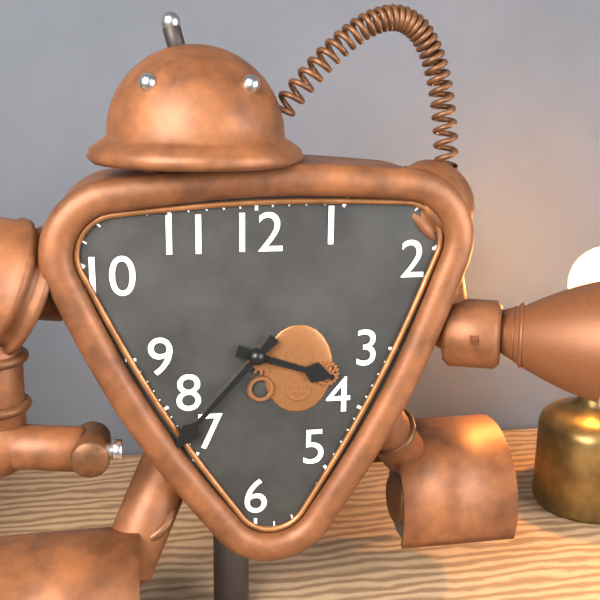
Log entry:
h=3 m=37
